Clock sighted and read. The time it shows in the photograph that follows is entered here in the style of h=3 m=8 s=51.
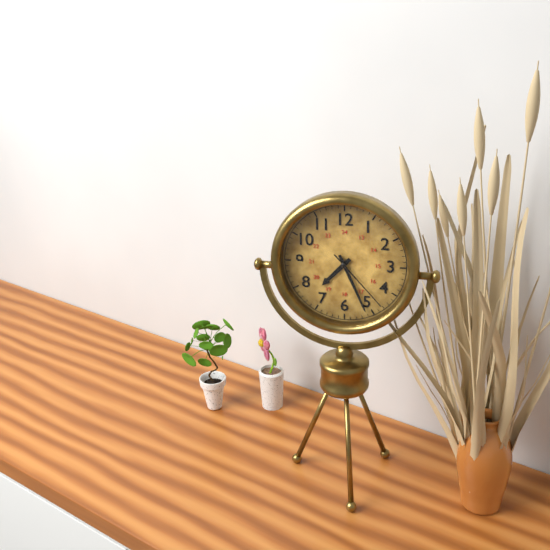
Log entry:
h=7 m=26 s=23
